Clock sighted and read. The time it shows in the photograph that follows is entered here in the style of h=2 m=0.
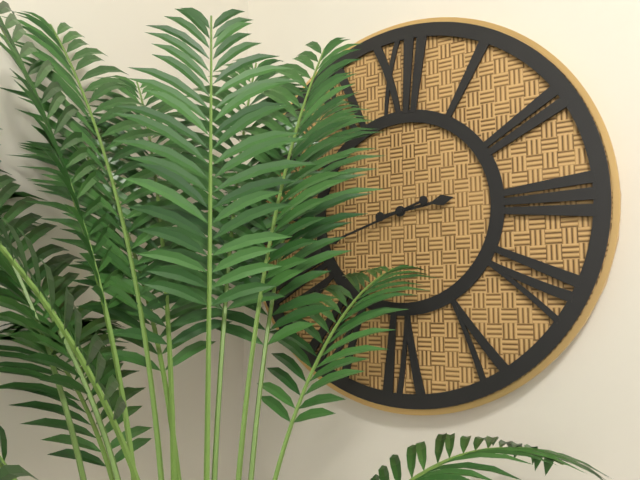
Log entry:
h=2 m=42
